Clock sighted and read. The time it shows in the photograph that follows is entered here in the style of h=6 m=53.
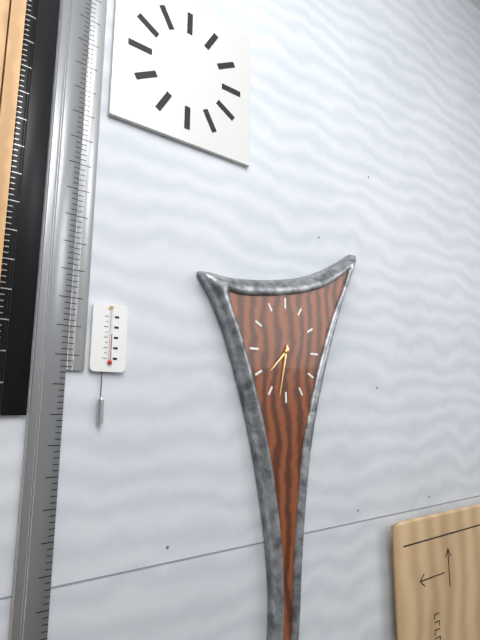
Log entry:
h=7 m=32
